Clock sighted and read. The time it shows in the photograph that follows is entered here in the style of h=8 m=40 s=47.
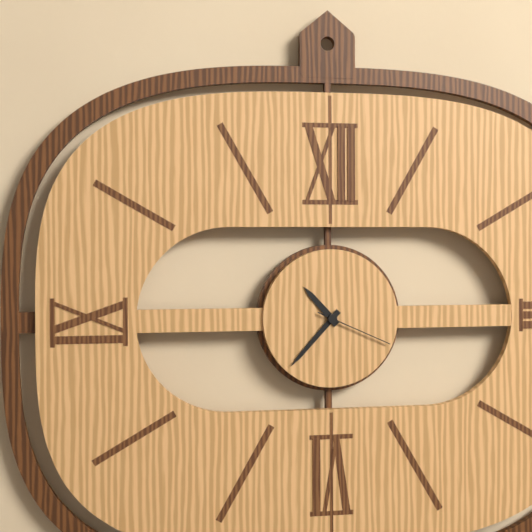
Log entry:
h=10 m=37 s=19
